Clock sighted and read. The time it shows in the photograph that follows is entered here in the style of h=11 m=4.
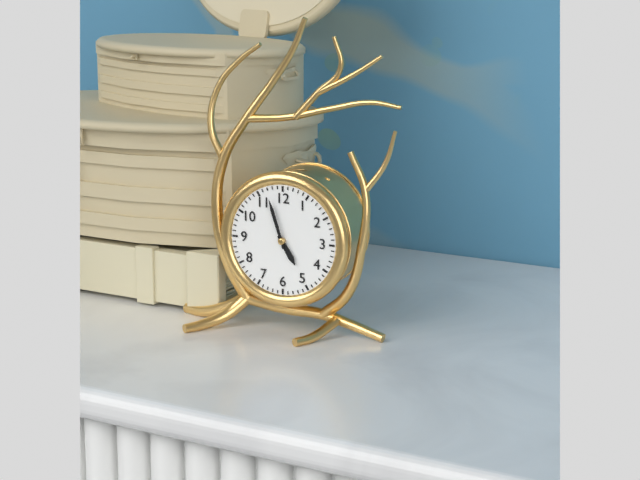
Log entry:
h=4 m=57
